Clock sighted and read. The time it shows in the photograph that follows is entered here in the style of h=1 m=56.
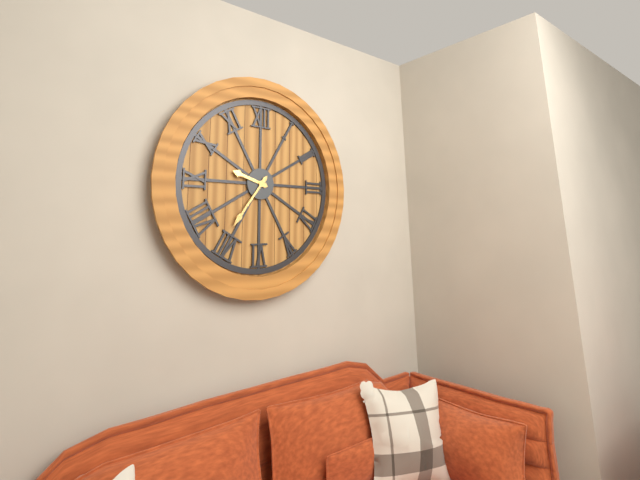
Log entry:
h=9 m=36
